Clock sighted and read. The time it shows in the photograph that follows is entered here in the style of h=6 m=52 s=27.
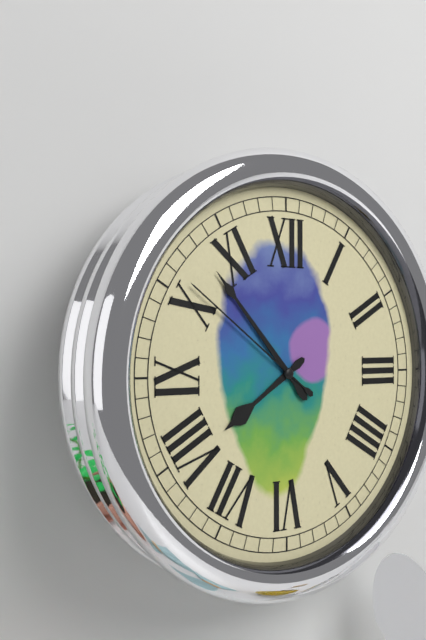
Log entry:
h=7 m=53 s=51
